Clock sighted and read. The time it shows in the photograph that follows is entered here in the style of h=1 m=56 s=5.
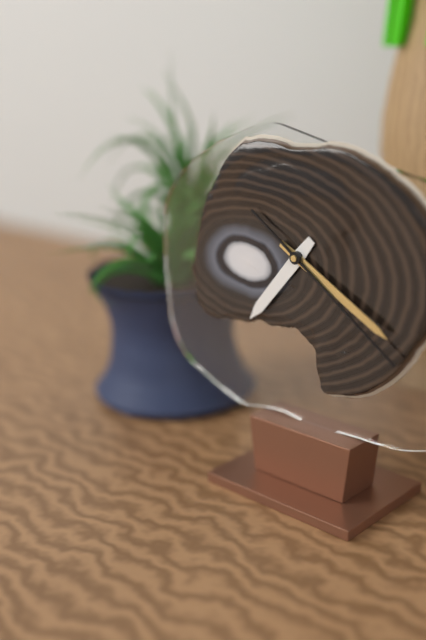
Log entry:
h=7 m=20 s=21
